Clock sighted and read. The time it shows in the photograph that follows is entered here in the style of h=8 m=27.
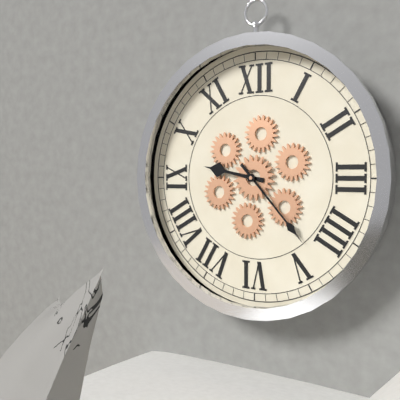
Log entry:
h=9 m=23
